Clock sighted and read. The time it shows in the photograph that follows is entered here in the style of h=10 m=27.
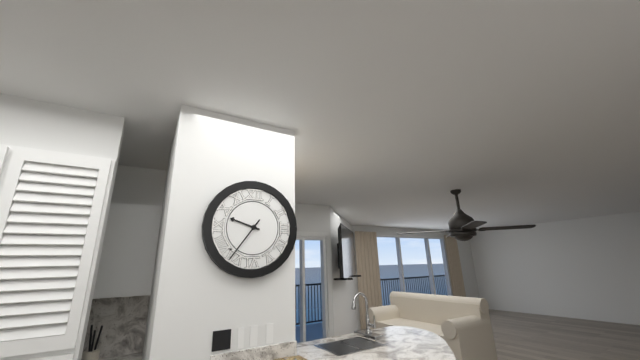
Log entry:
h=9 m=36
